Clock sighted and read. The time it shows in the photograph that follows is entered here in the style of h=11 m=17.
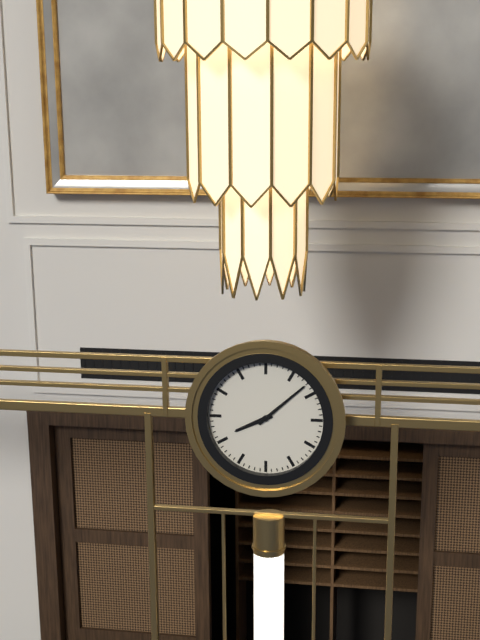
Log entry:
h=8 m=8
